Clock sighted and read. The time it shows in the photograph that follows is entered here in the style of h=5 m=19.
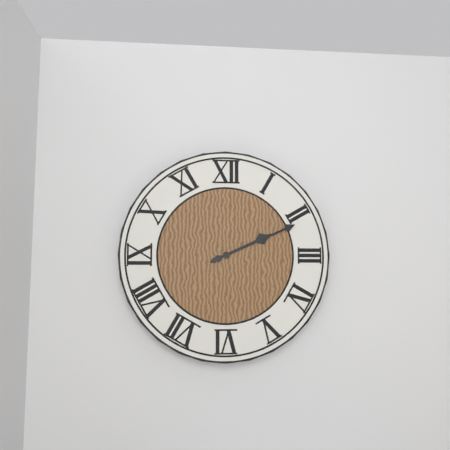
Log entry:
h=2 m=11
